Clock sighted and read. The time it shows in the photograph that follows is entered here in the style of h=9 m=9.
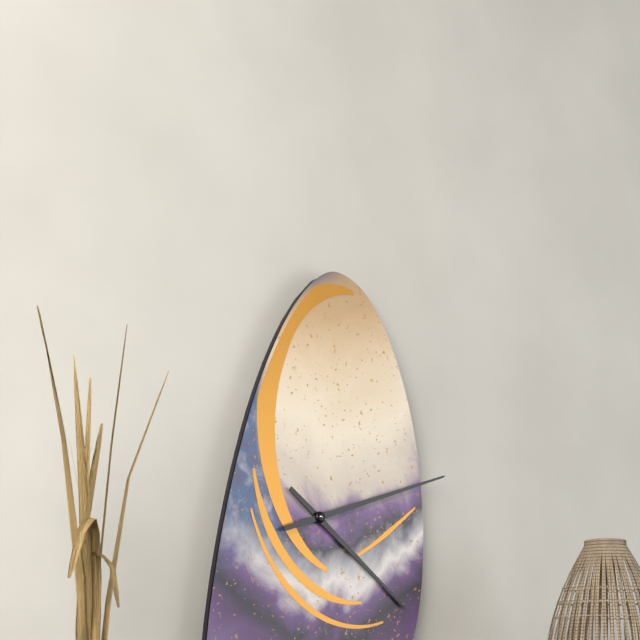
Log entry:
h=4 m=12
